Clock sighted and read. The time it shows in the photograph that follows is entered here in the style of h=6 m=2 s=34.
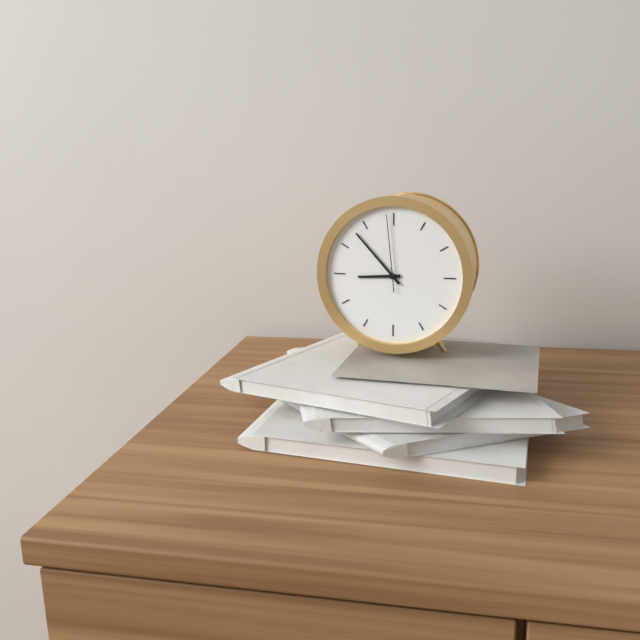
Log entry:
h=8 m=53 s=59
